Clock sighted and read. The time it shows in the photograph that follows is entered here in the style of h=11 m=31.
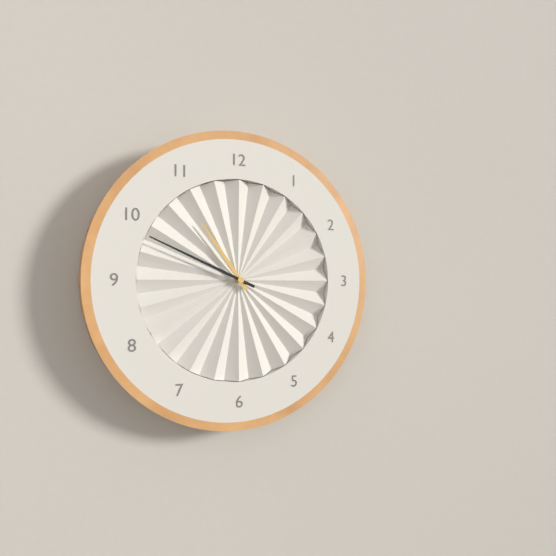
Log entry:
h=10 m=49
